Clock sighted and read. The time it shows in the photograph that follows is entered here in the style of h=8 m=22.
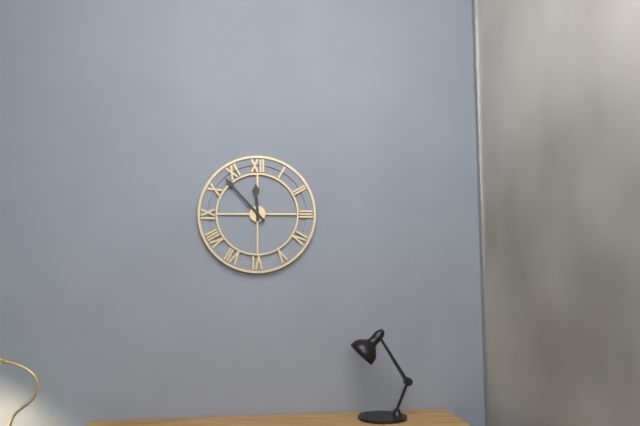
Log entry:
h=11 m=53
